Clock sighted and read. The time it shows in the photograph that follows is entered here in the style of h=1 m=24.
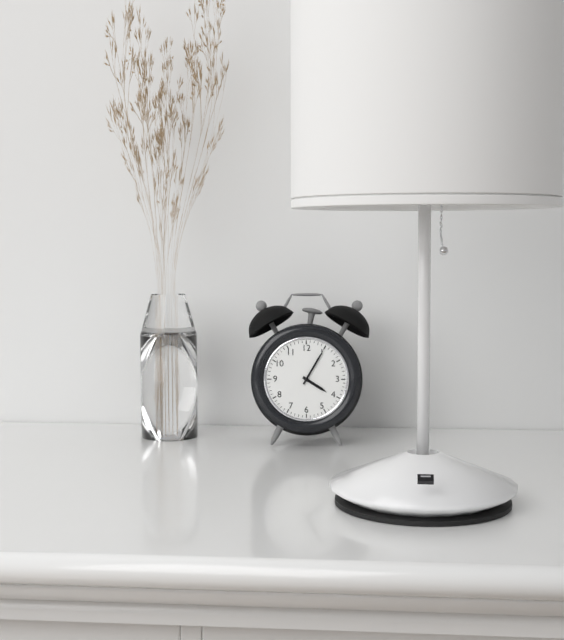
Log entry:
h=4 m=5
